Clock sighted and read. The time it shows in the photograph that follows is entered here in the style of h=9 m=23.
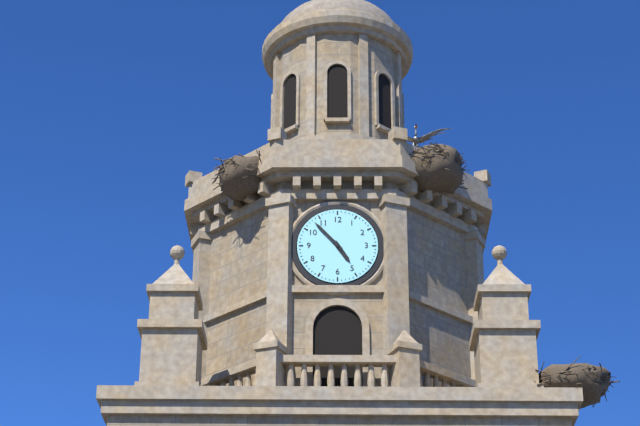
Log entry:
h=4 m=53
